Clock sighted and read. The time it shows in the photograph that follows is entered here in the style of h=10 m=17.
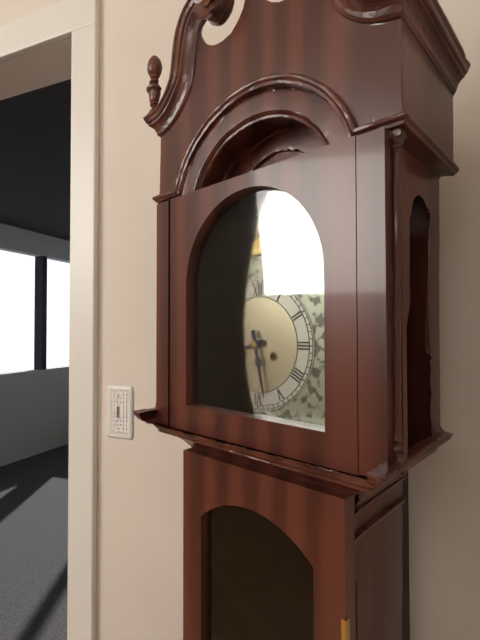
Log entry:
h=8 m=28
